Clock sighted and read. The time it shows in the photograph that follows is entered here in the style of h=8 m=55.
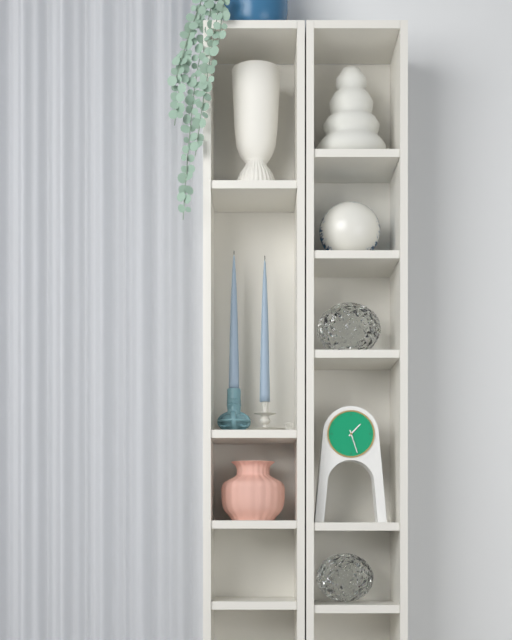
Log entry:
h=1 m=27
